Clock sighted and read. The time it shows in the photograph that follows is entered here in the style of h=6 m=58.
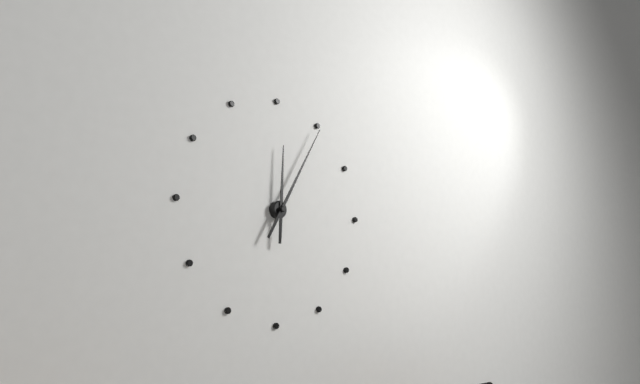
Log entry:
h=12 m=5
